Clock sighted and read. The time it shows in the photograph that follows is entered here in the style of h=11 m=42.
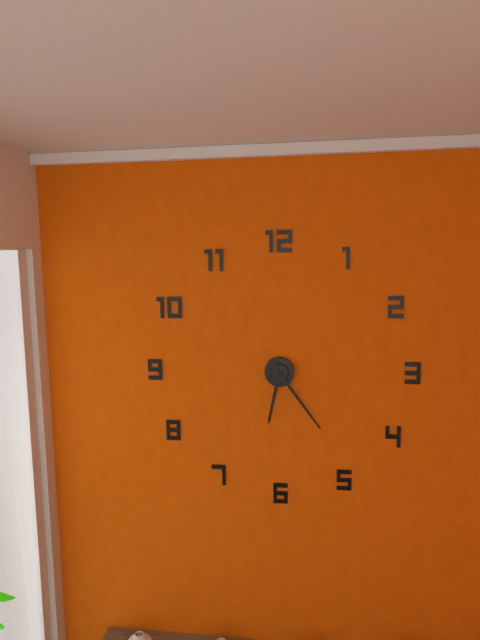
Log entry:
h=6 m=24
